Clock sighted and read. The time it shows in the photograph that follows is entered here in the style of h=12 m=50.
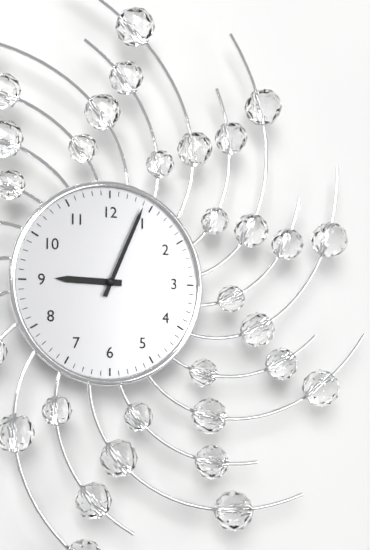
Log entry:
h=9 m=4
